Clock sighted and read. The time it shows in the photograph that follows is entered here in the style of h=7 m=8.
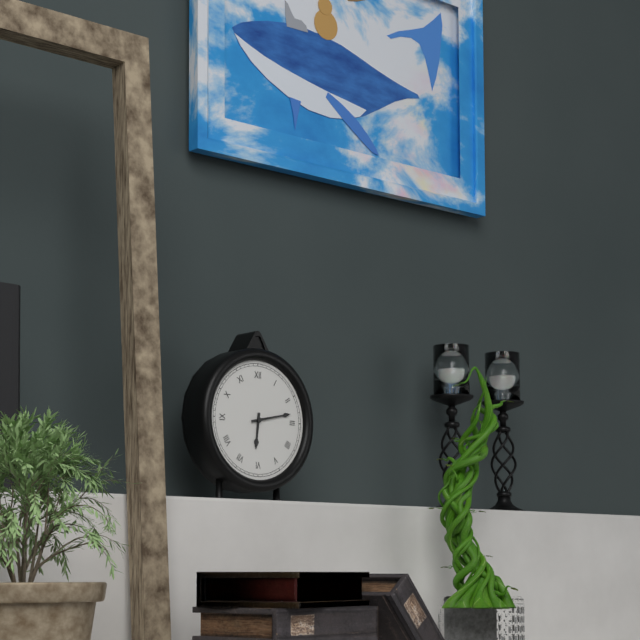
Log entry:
h=6 m=13
